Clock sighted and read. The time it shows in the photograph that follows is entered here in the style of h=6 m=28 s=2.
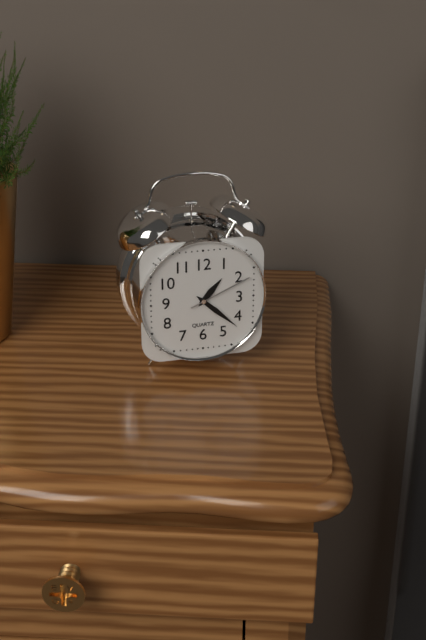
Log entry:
h=1 m=22 s=11
